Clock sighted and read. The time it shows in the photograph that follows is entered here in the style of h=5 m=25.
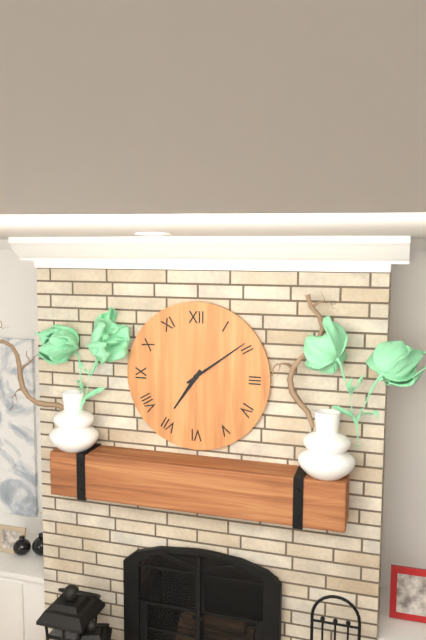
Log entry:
h=7 m=9
